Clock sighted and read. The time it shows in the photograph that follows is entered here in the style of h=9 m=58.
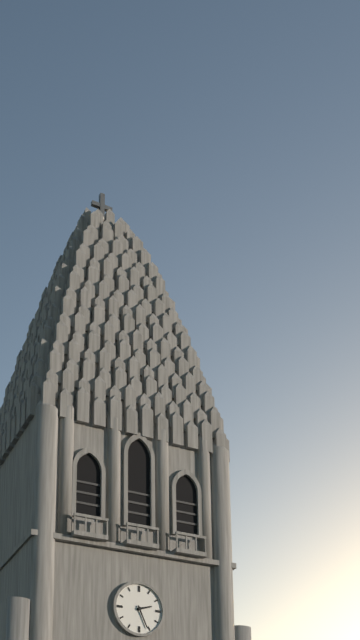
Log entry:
h=2 m=26
